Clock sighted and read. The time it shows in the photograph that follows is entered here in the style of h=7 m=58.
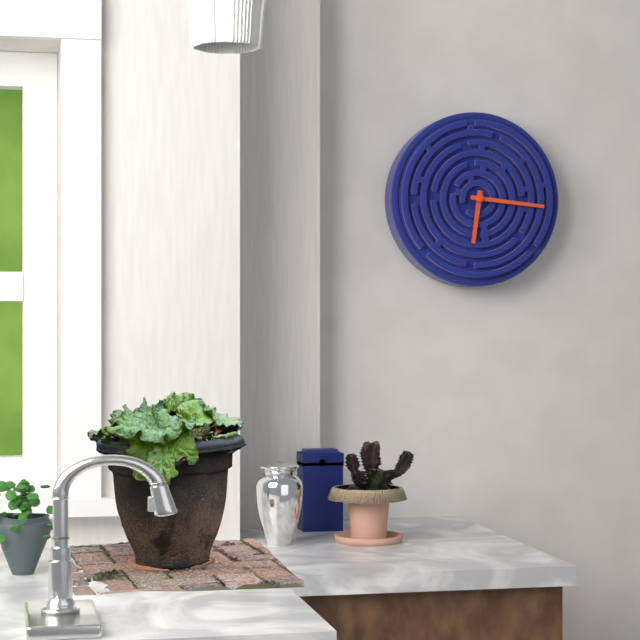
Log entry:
h=6 m=16
